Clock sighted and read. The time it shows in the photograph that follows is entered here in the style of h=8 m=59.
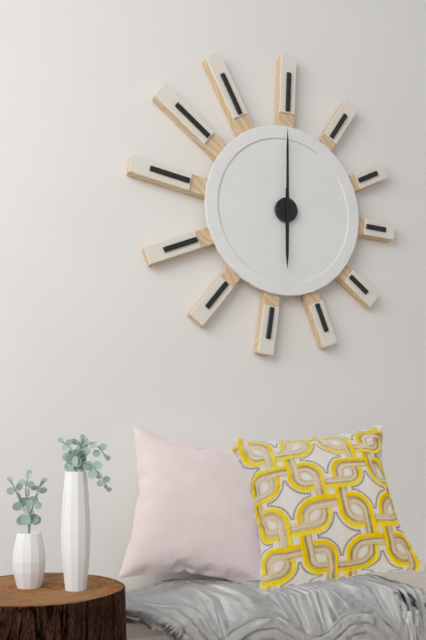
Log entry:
h=6 m=0
